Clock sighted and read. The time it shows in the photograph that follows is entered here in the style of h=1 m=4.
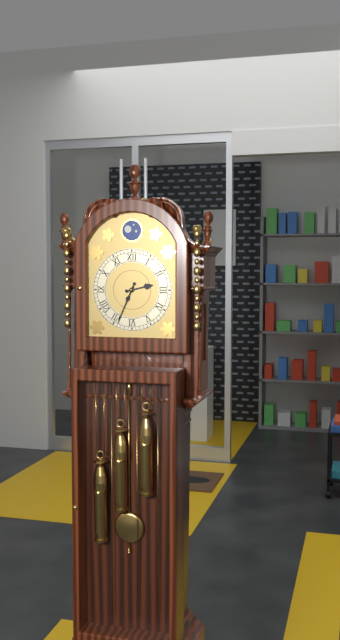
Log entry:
h=2 m=34
